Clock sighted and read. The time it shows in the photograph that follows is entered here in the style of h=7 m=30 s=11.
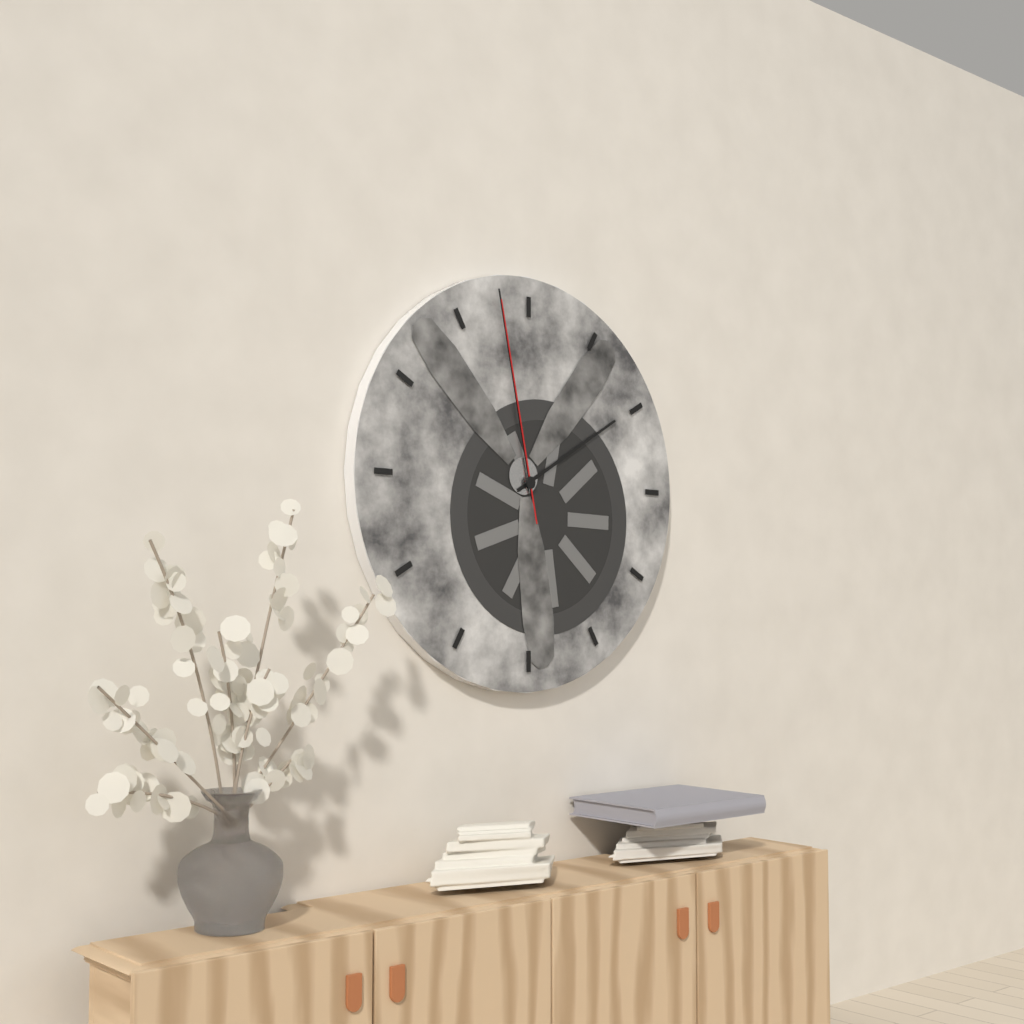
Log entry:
h=1 m=58 s=58
